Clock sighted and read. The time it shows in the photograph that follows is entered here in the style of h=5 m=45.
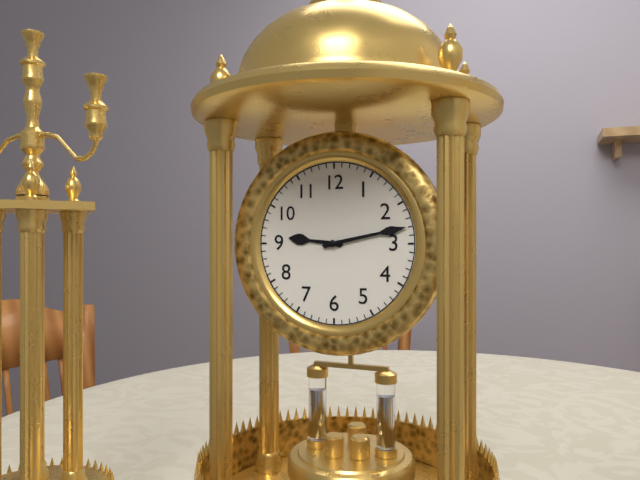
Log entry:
h=9 m=13
